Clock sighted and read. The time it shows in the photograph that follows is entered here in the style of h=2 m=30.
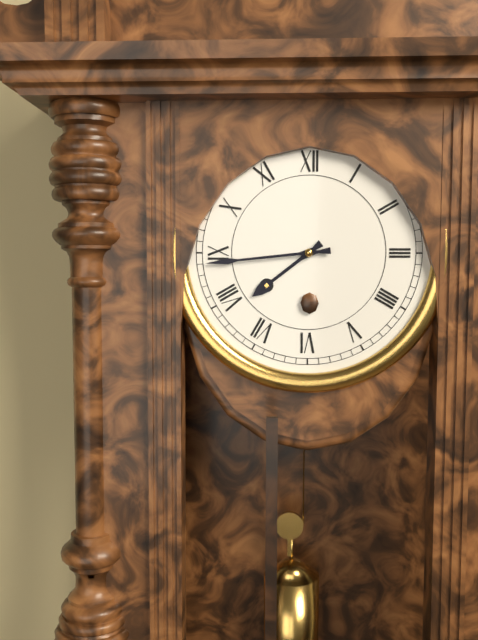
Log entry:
h=7 m=44
